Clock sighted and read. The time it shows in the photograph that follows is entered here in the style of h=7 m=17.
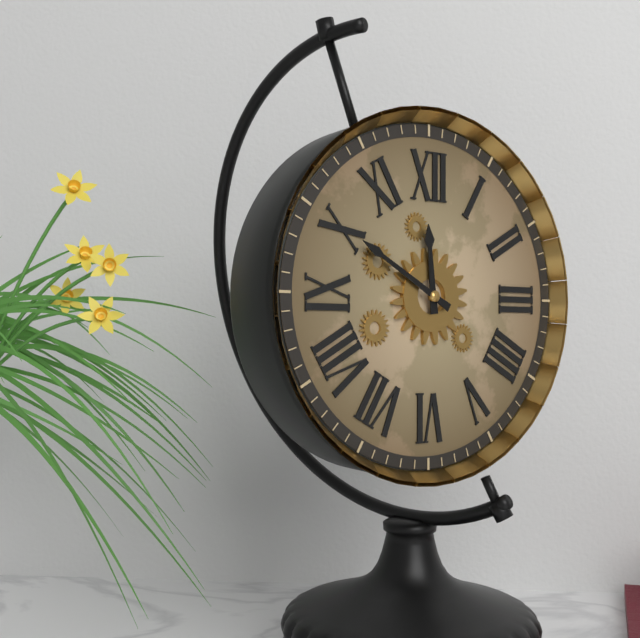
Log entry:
h=11 m=50
